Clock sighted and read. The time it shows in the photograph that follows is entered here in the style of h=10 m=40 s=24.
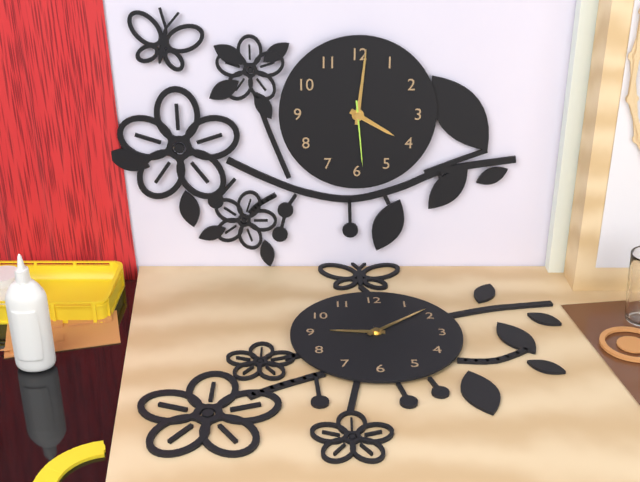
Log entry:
h=4 m=1 s=29
